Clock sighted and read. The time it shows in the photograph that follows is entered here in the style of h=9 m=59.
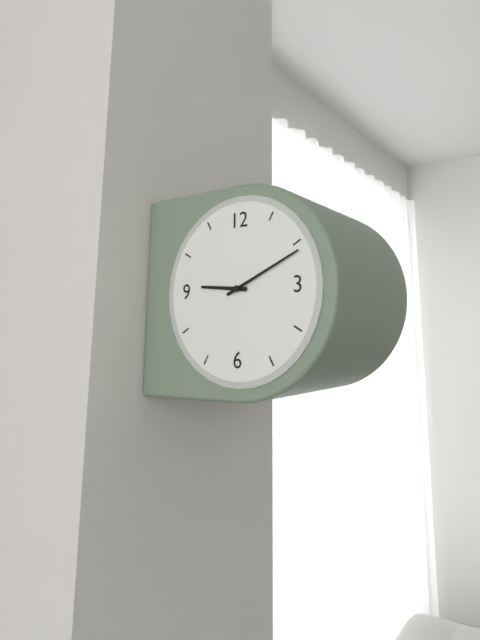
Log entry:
h=9 m=11
